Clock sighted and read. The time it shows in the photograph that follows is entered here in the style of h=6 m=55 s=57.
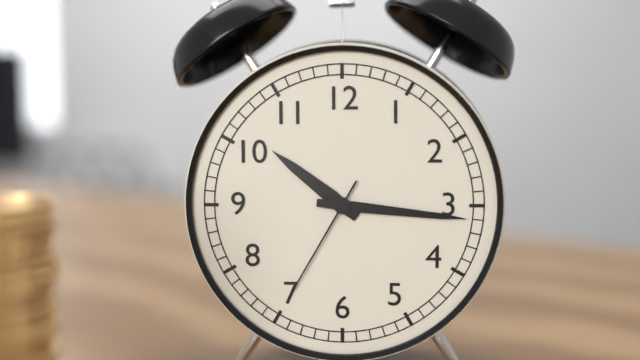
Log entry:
h=10 m=16 s=35
